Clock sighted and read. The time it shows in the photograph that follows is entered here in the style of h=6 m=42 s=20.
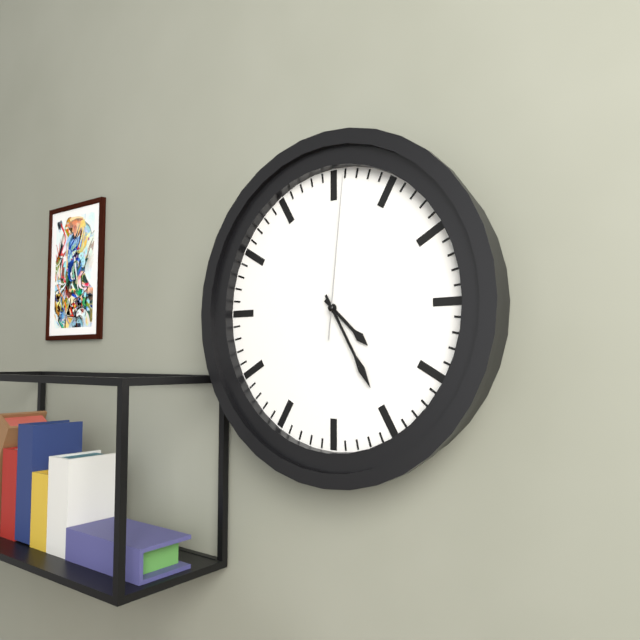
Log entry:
h=4 m=25 s=1
